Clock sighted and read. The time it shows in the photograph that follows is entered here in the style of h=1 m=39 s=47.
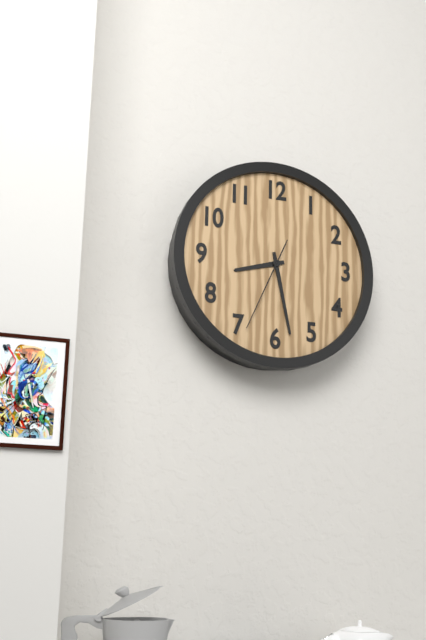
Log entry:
h=8 m=28 s=34
